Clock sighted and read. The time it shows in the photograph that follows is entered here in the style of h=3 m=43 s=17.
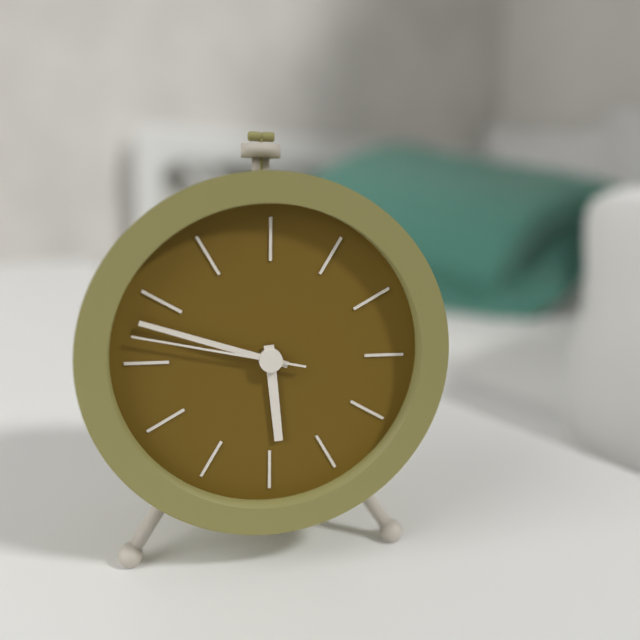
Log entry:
h=5 m=48 s=47
